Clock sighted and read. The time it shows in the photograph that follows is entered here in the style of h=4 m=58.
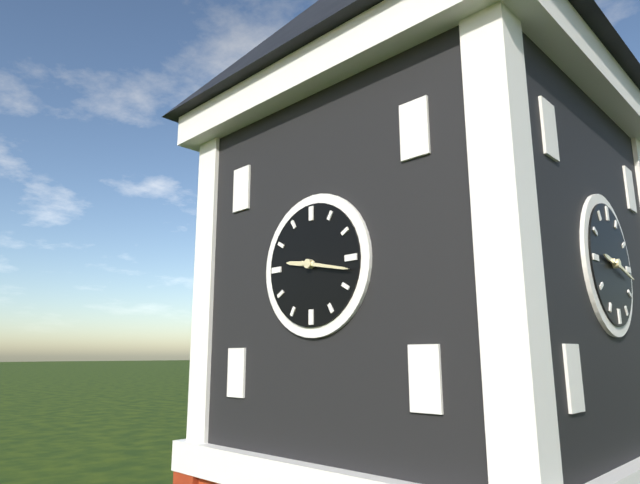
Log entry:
h=9 m=17
